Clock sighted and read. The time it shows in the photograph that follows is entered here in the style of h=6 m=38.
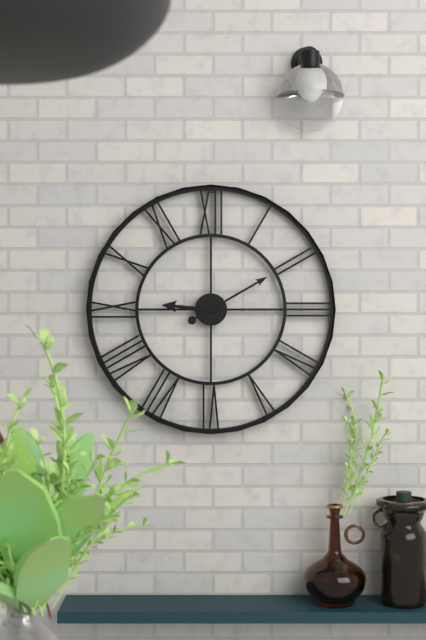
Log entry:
h=9 m=10
